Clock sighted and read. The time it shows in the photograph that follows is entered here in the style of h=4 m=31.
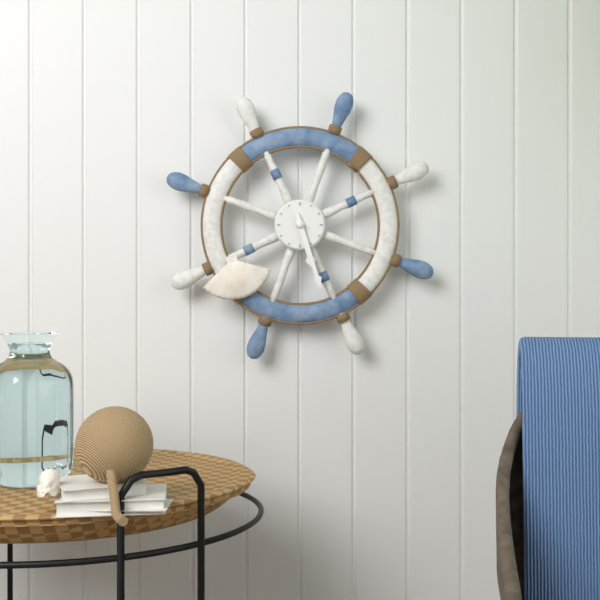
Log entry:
h=5 m=27
